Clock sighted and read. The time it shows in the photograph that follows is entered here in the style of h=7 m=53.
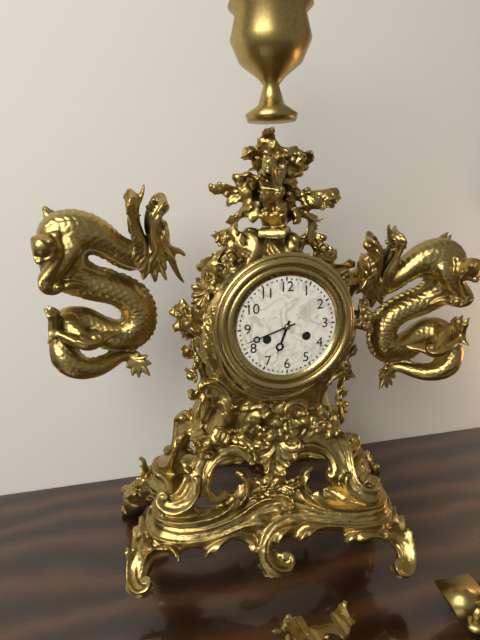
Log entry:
h=6 m=42
